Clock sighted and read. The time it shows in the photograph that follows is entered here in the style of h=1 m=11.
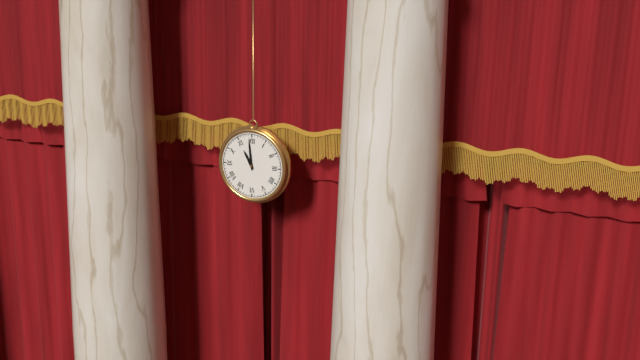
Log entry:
h=10 m=59
